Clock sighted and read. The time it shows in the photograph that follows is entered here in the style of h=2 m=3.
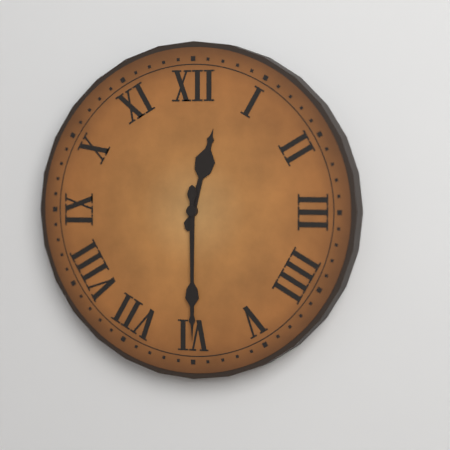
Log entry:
h=12 m=30
